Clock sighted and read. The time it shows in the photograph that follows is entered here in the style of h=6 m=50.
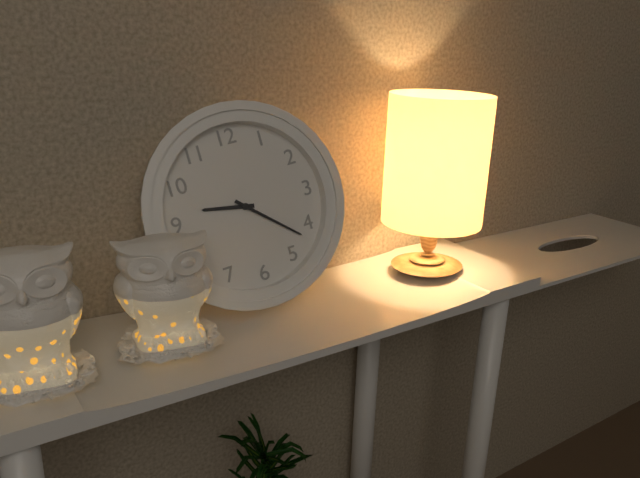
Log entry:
h=9 m=22
